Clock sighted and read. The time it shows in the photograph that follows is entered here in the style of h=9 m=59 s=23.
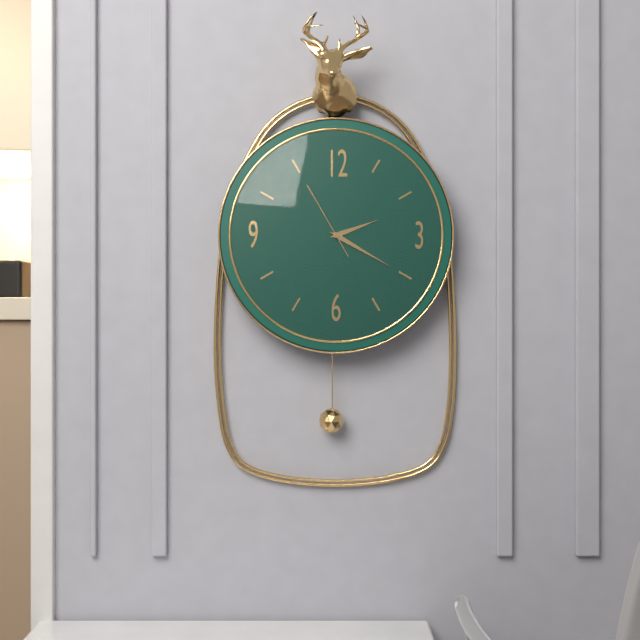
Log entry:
h=2 m=20 s=55
